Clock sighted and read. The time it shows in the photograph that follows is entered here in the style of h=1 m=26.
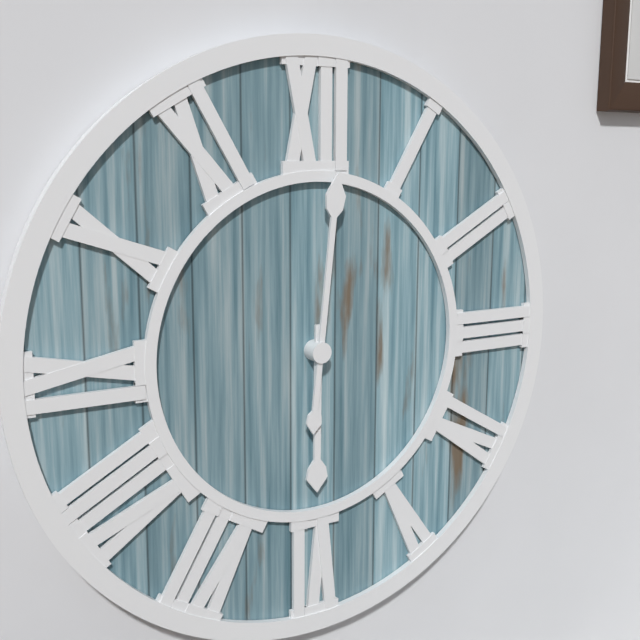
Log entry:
h=6 m=1
